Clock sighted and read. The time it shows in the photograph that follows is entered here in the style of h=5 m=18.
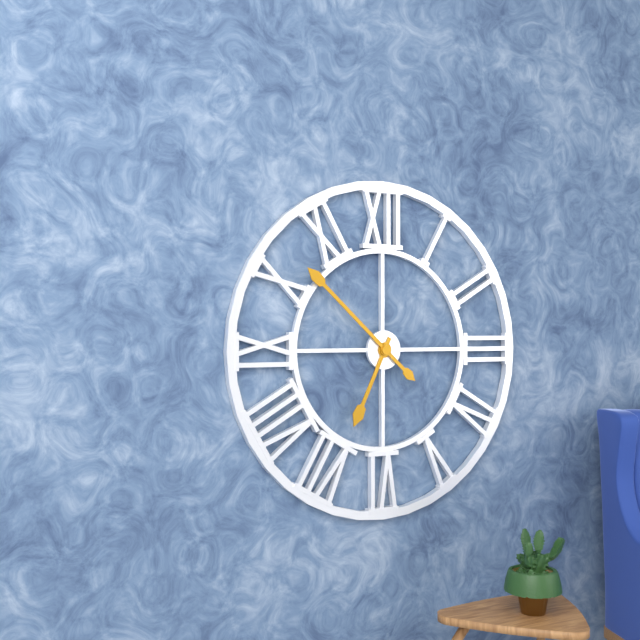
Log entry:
h=6 m=52
